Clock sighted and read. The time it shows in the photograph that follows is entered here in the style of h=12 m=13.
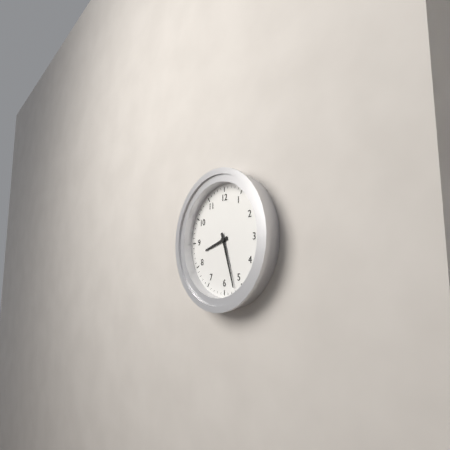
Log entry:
h=8 m=27
